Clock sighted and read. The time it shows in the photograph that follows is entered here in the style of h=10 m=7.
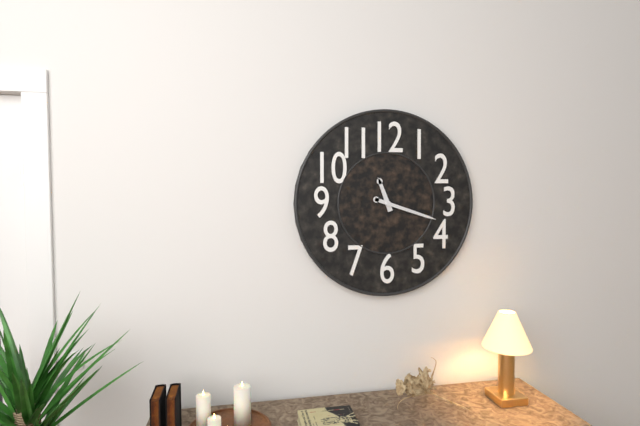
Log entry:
h=11 m=18
